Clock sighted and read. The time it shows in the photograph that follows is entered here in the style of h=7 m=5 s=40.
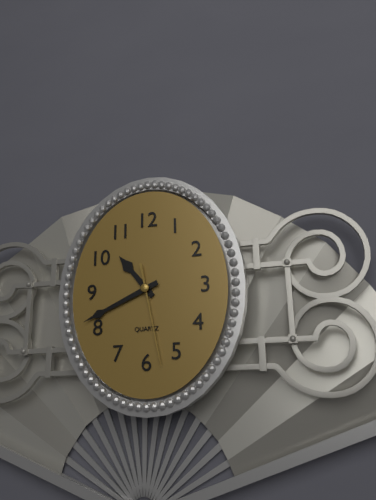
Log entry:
h=10 m=41 s=28
